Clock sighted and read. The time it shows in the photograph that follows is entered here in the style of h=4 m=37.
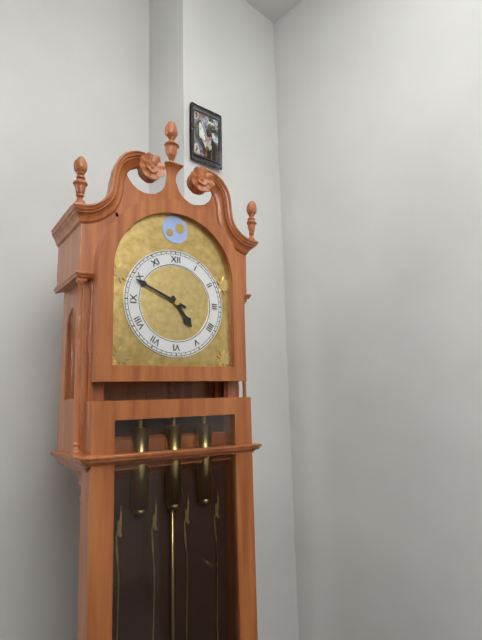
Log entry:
h=4 m=49
